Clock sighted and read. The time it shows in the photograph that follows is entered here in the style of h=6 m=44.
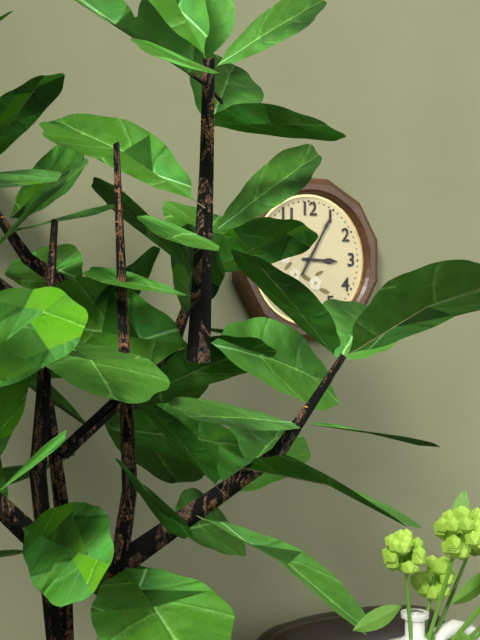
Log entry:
h=3 m=5
